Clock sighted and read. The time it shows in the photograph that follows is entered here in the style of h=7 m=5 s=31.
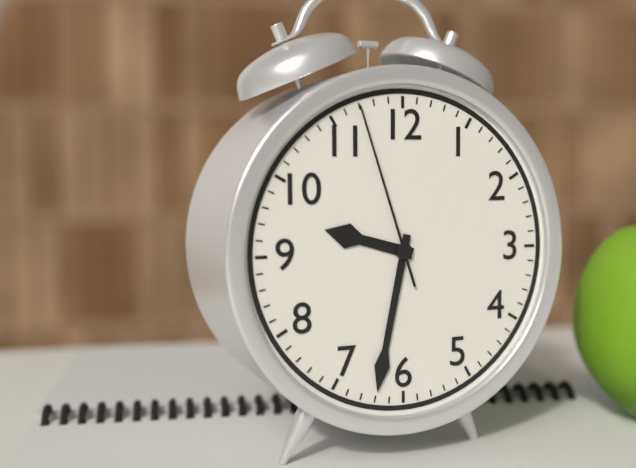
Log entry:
h=9 m=32 s=57
